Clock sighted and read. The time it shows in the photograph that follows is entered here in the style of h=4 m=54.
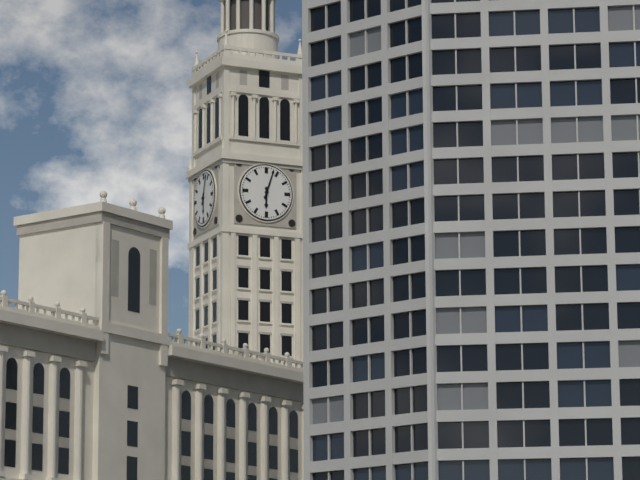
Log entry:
h=6 m=3
